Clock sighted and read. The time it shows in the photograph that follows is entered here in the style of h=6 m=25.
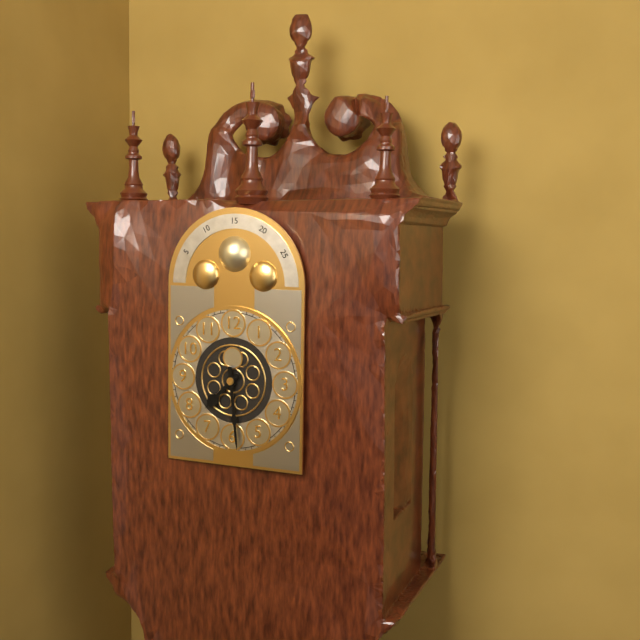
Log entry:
h=7 m=29
